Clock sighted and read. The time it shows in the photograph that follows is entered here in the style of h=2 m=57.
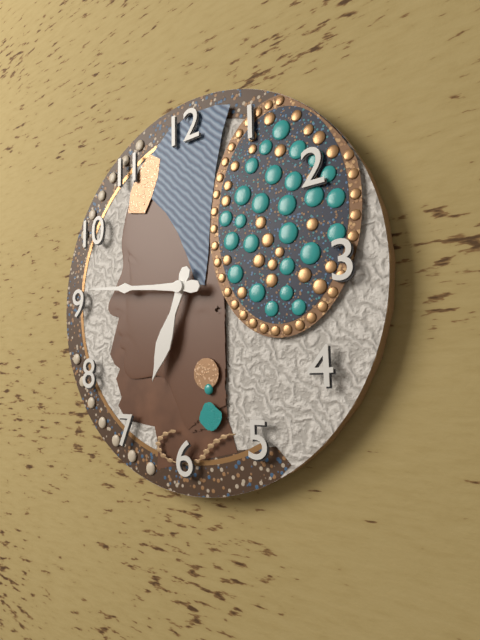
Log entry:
h=6 m=46
